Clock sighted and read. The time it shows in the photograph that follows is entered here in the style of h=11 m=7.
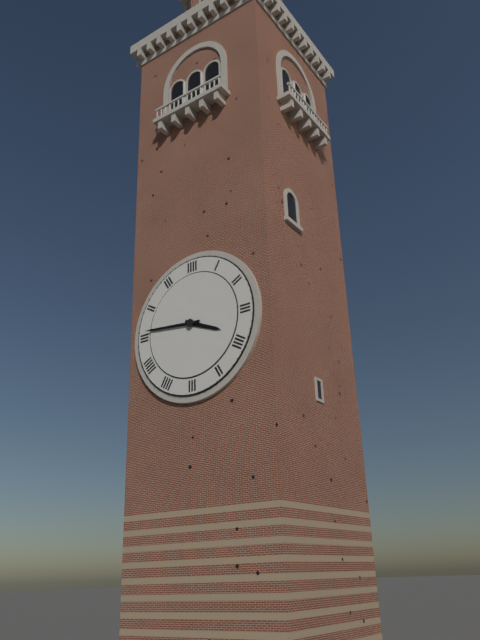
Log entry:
h=3 m=46
